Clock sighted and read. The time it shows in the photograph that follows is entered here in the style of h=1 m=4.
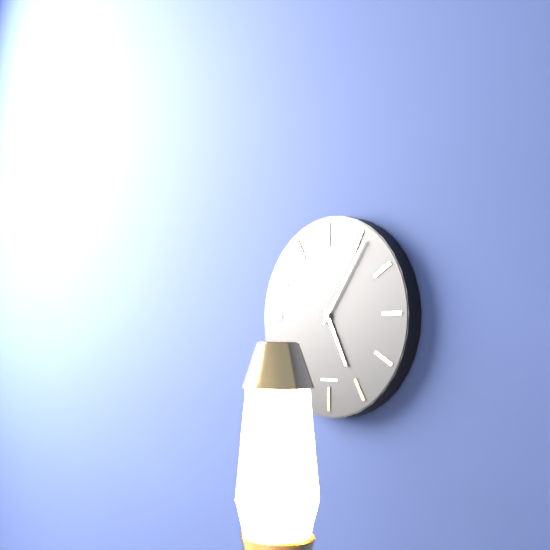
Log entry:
h=5 m=6
